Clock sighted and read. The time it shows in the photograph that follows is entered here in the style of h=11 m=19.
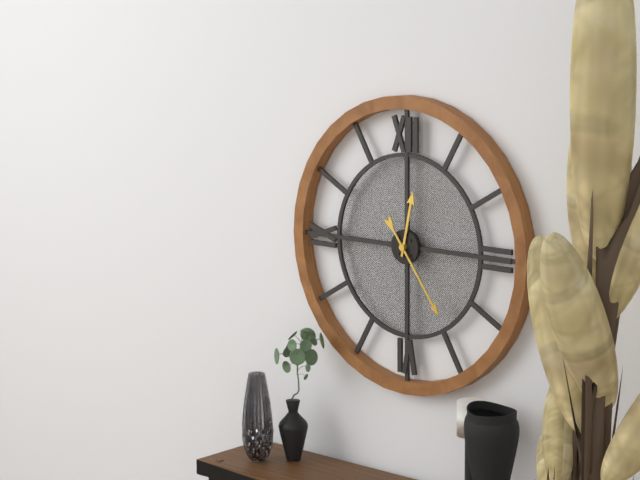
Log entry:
h=12 m=24
